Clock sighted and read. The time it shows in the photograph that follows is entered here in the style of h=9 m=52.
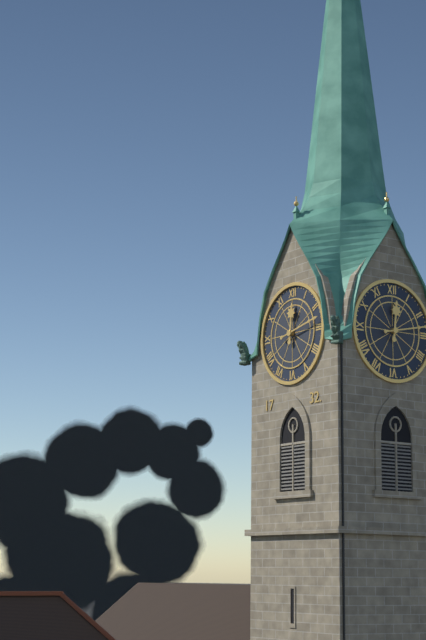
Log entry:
h=12 m=13
